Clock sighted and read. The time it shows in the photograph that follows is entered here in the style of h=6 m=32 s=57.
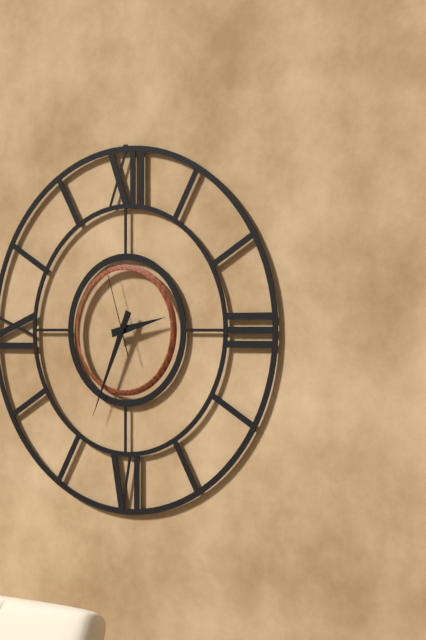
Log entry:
h=2 m=34 s=57
